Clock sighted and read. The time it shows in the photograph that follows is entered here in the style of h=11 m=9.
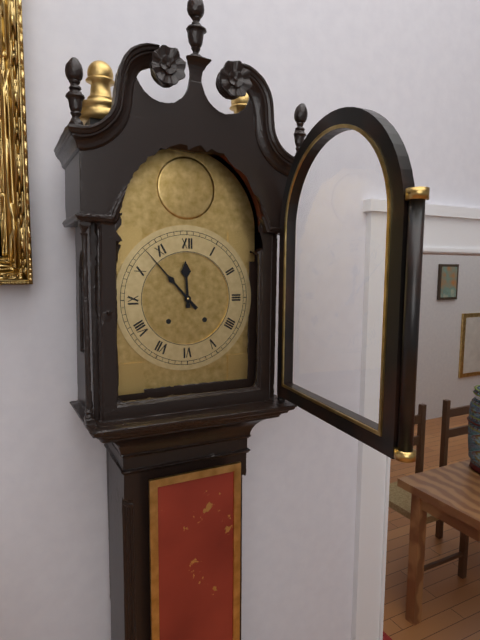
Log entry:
h=11 m=53
